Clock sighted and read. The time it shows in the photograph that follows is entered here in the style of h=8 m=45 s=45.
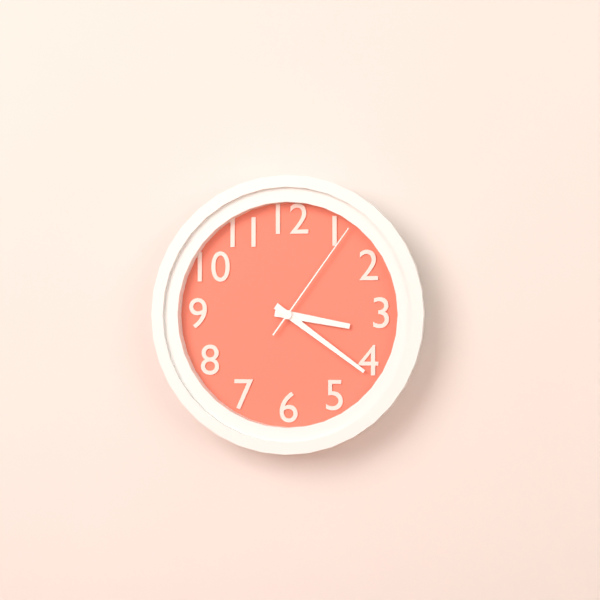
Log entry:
h=3 m=21 s=6
